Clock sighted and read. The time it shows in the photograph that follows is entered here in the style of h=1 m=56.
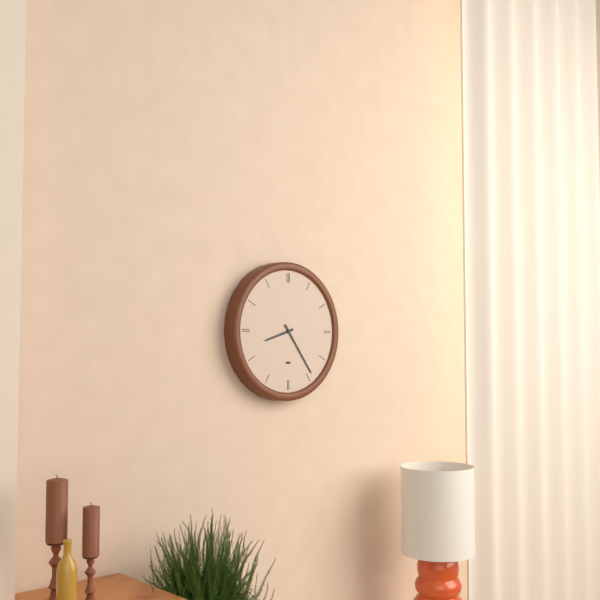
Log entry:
h=8 m=24
